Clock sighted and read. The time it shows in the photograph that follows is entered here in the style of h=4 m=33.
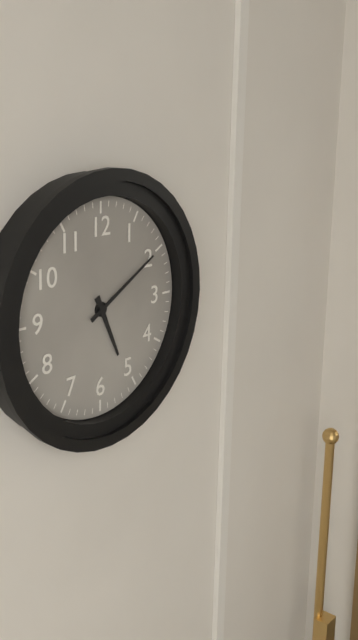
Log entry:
h=5 m=10
